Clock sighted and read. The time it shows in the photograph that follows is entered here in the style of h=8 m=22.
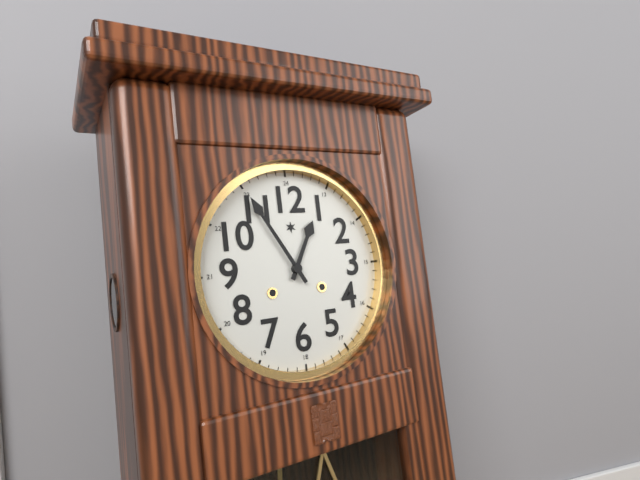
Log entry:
h=12 m=55
